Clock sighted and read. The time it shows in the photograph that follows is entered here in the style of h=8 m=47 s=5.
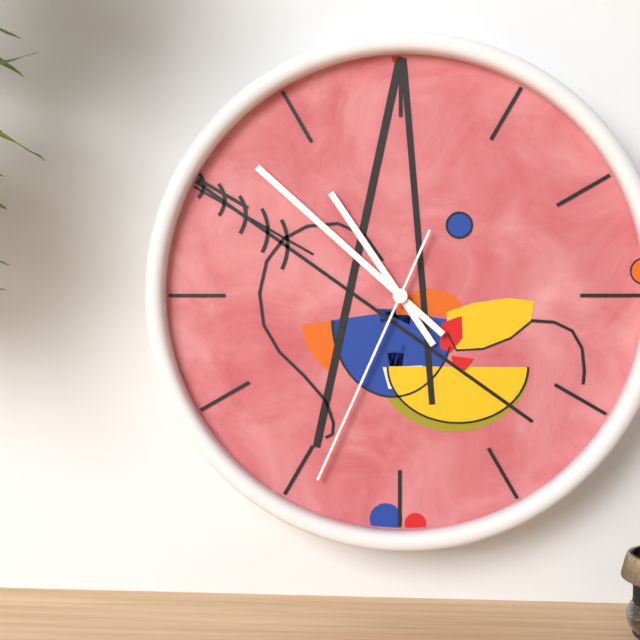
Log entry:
h=10 m=52 s=34
